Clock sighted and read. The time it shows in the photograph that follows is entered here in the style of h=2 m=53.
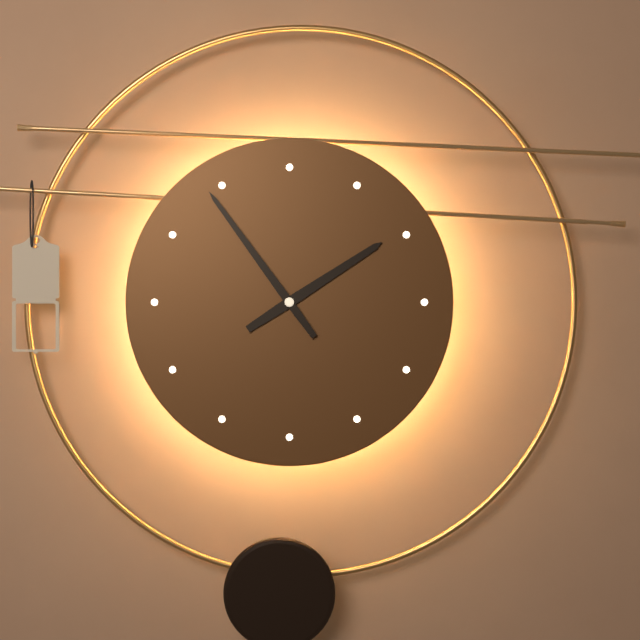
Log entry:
h=1 m=54
